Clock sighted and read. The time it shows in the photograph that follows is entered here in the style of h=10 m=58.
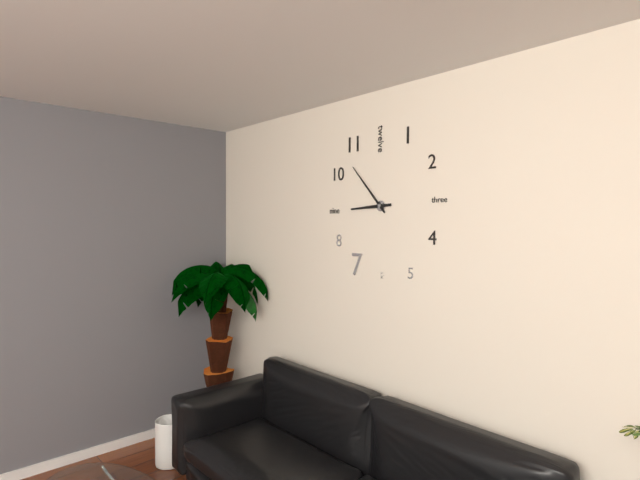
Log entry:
h=8 m=53
